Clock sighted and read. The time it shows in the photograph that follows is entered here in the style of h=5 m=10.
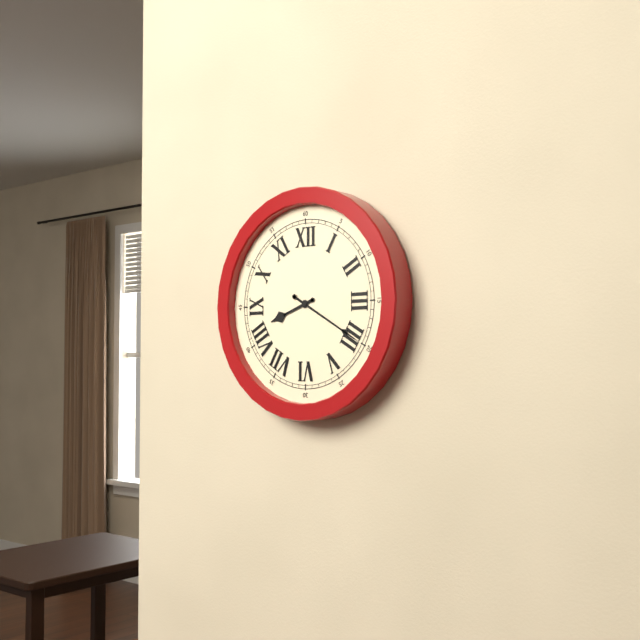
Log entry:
h=8 m=20
